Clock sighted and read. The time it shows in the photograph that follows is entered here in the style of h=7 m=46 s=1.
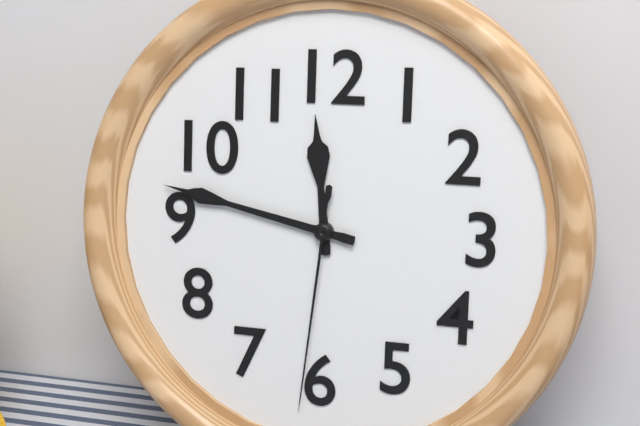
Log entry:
h=11 m=47 s=31
